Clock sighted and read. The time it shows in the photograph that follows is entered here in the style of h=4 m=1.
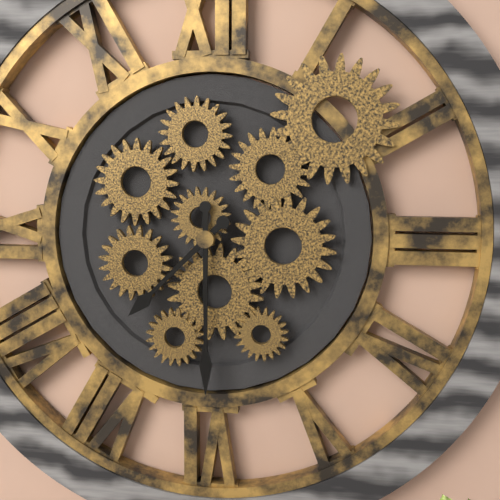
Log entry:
h=7 m=30
